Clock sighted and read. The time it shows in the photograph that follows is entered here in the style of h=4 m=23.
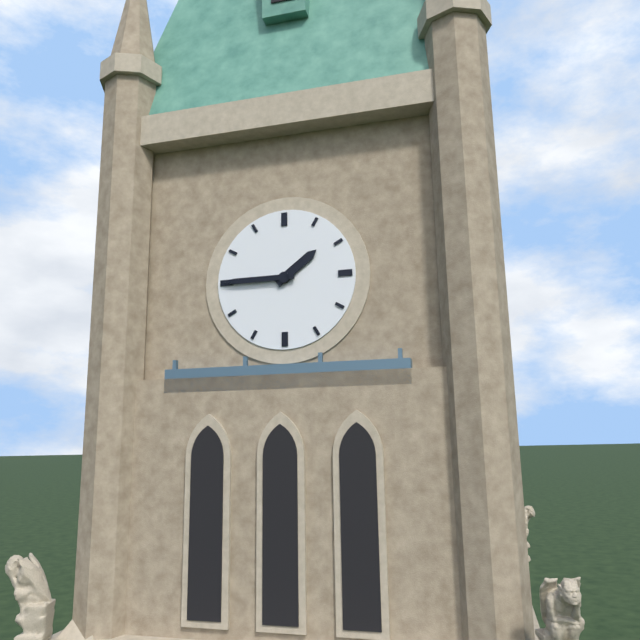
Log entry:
h=1 m=45
